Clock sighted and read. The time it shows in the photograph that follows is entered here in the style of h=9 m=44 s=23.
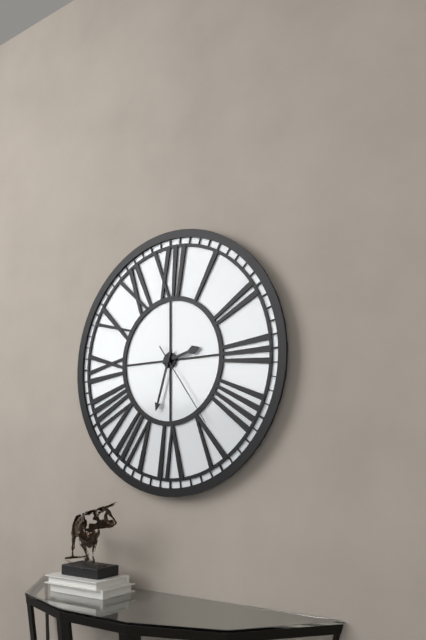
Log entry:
h=2 m=33 s=24
